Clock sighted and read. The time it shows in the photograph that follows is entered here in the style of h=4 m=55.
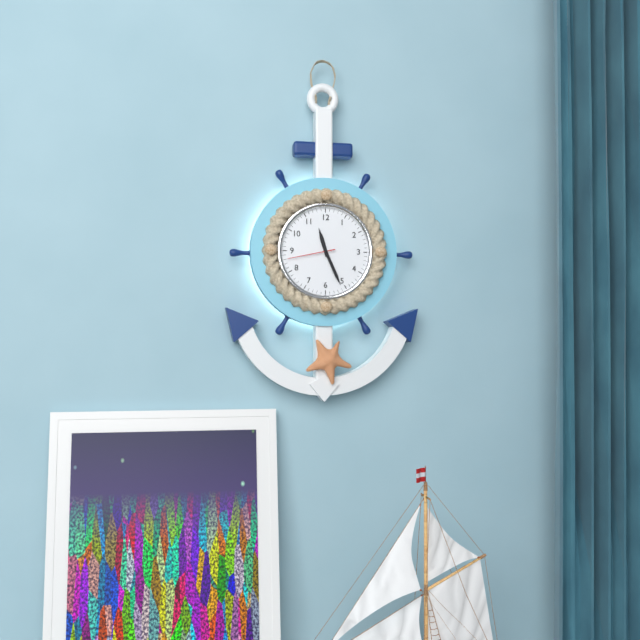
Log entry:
h=11 m=26
